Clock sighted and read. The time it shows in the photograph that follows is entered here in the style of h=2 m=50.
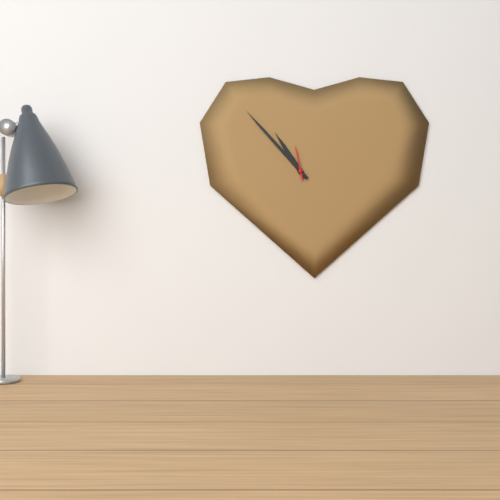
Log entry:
h=10 m=53
